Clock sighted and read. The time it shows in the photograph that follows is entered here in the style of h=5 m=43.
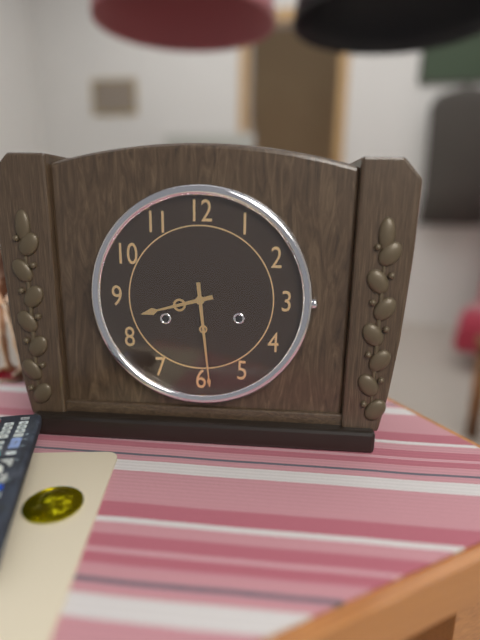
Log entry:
h=8 m=29
